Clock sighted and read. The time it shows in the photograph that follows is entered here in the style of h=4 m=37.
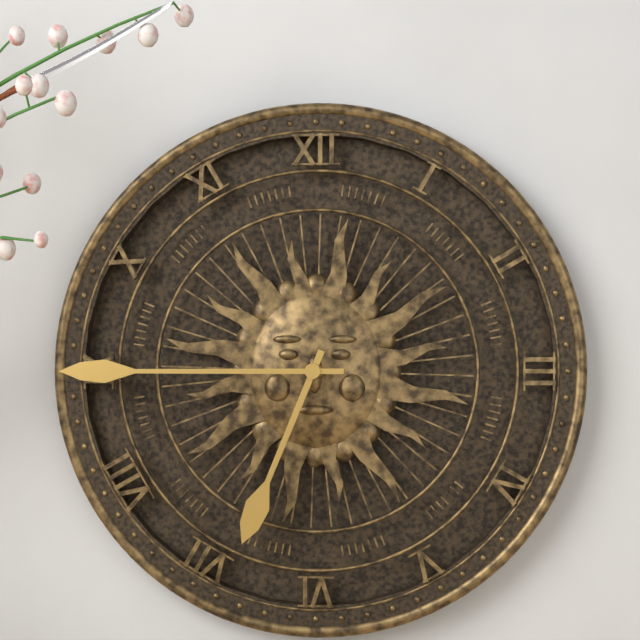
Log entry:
h=6 m=45
